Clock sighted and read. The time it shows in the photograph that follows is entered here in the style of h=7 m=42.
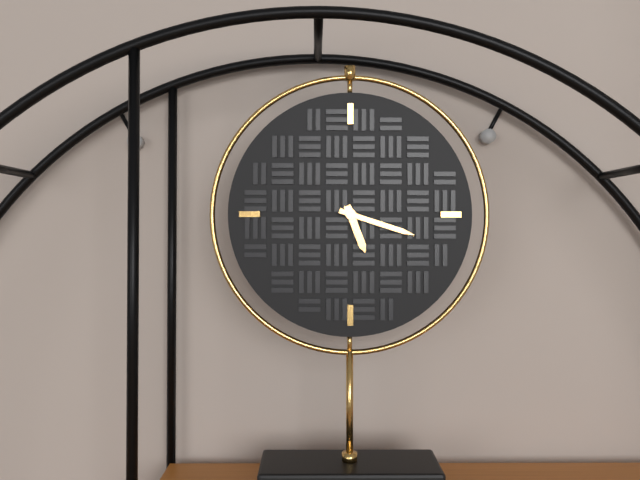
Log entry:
h=5 m=18
